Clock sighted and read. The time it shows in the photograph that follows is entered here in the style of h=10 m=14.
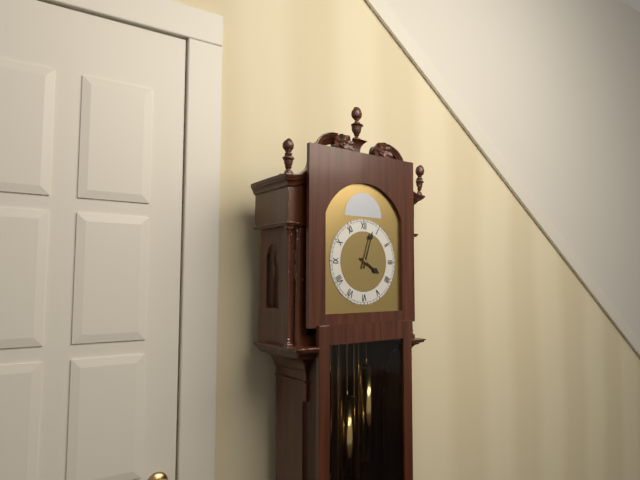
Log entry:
h=4 m=3
